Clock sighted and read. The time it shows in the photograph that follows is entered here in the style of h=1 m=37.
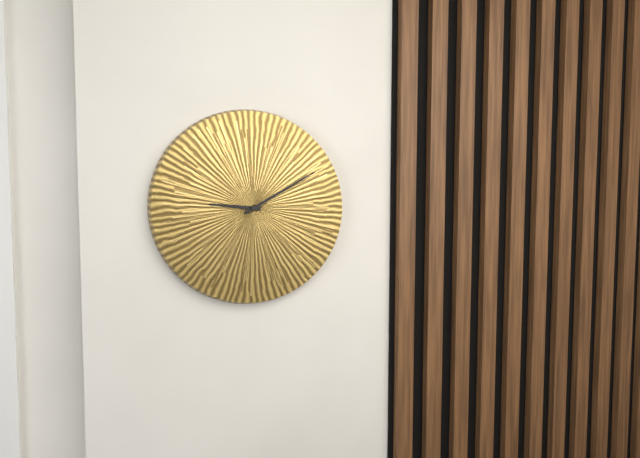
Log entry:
h=9 m=10
